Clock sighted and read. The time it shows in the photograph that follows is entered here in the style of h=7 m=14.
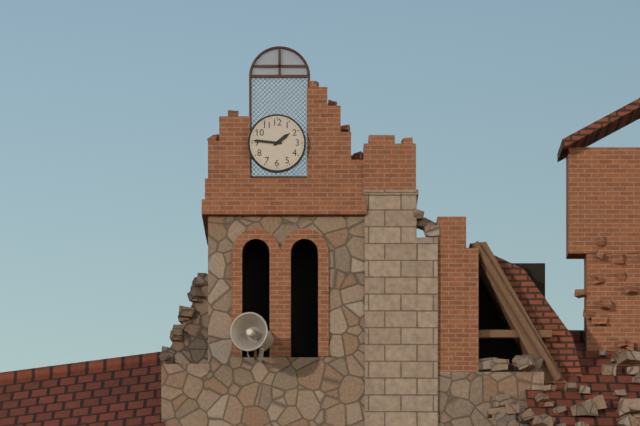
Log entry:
h=1 m=46
